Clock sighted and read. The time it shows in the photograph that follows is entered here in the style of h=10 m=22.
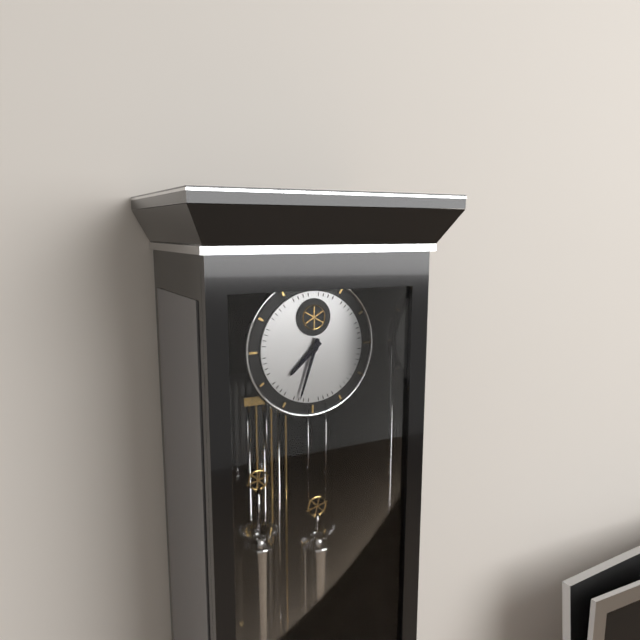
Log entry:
h=7 m=33
